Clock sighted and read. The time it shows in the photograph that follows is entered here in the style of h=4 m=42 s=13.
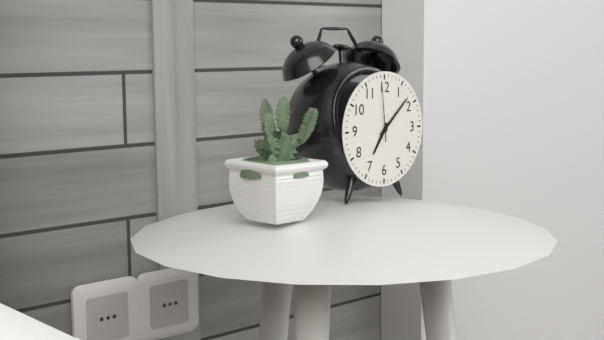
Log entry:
h=7 m=8 s=59
